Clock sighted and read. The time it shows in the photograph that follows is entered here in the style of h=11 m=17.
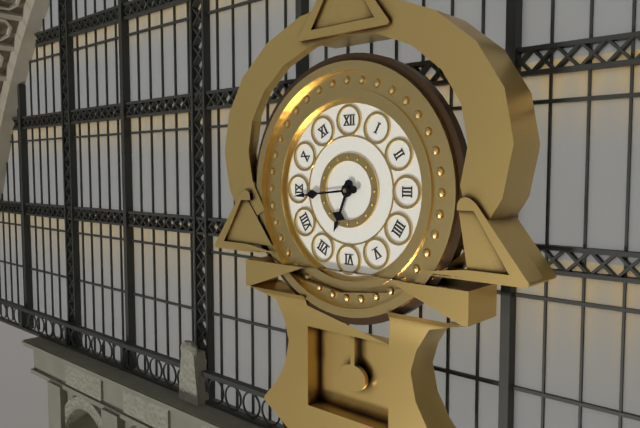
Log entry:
h=6 m=44
